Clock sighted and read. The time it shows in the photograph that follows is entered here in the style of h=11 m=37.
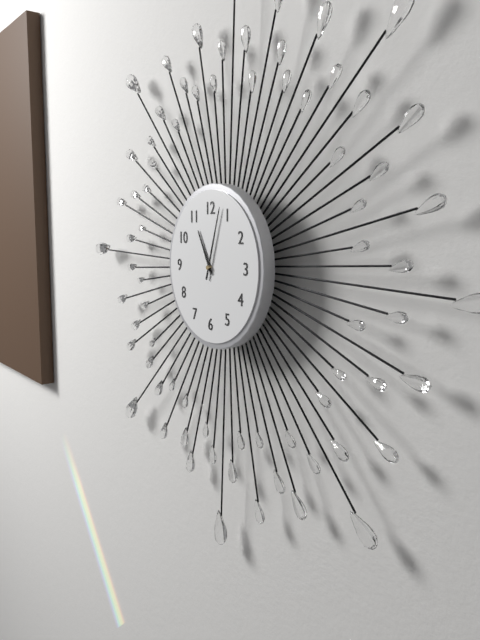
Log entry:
h=11 m=3
